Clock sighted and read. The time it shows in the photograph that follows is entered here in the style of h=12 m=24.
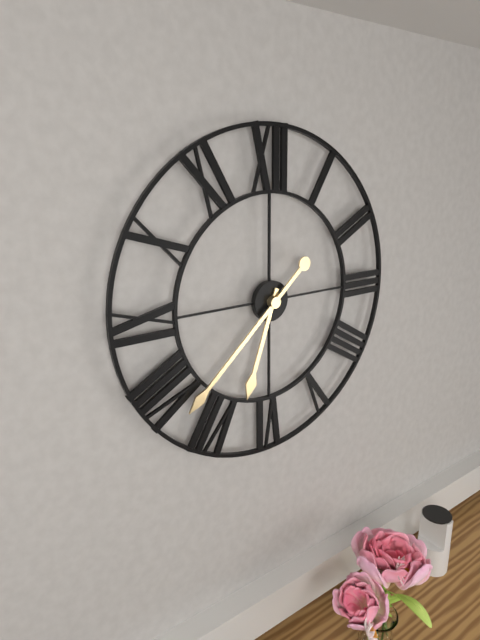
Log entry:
h=6 m=38
